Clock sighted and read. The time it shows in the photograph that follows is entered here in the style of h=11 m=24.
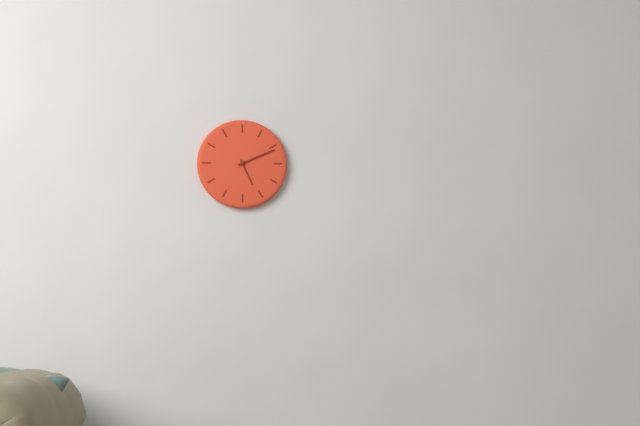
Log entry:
h=5 m=11
